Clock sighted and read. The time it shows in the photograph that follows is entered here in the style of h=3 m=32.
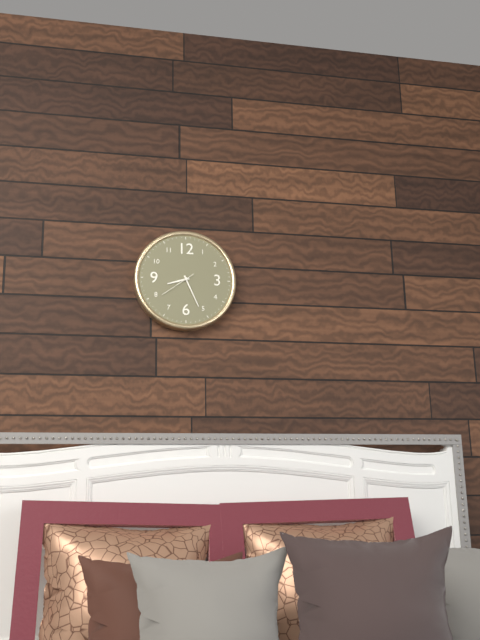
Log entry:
h=8 m=26
